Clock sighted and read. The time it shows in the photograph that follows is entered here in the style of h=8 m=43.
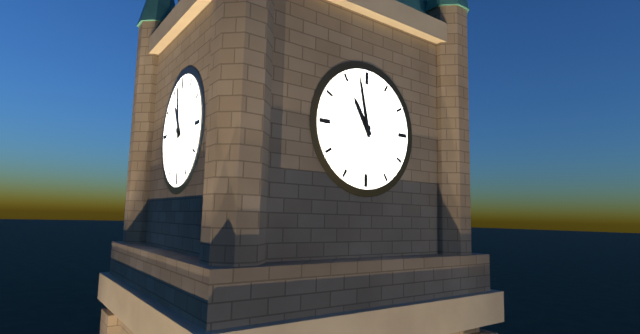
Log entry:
h=10 m=58
